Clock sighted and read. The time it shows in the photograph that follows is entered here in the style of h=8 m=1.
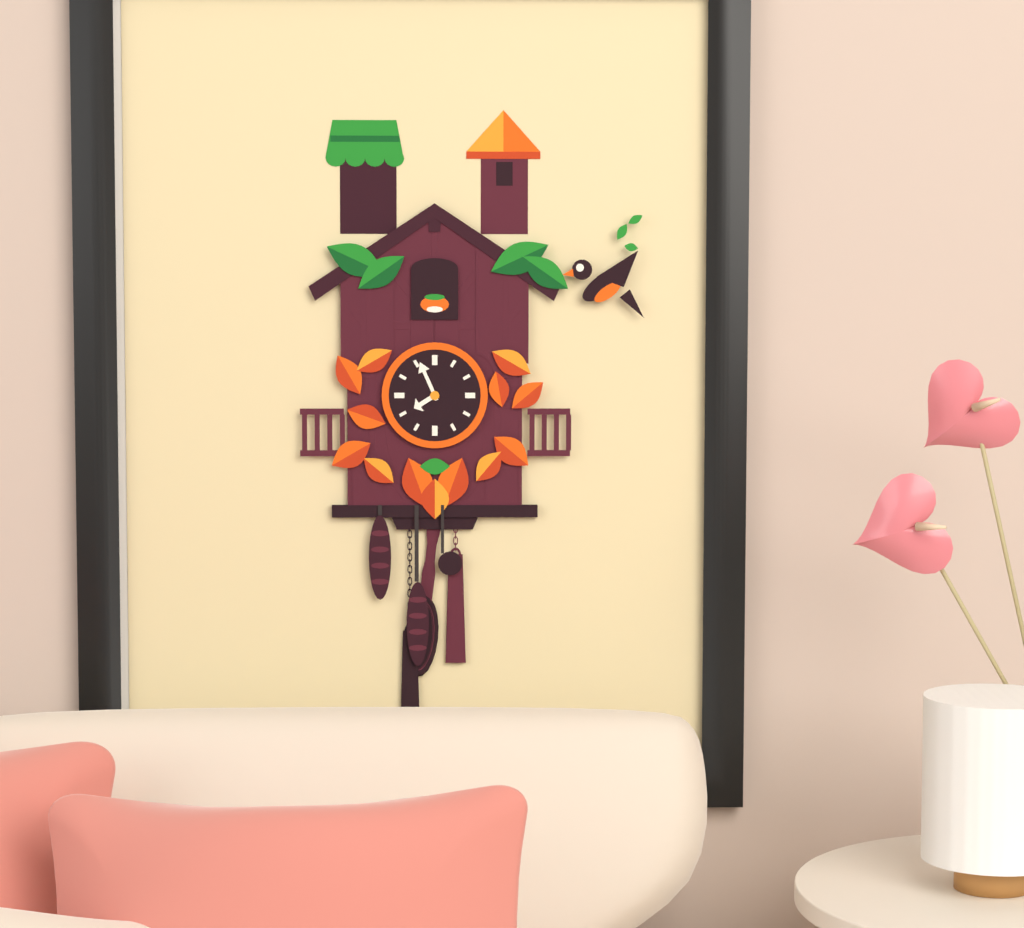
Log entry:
h=7 m=56
